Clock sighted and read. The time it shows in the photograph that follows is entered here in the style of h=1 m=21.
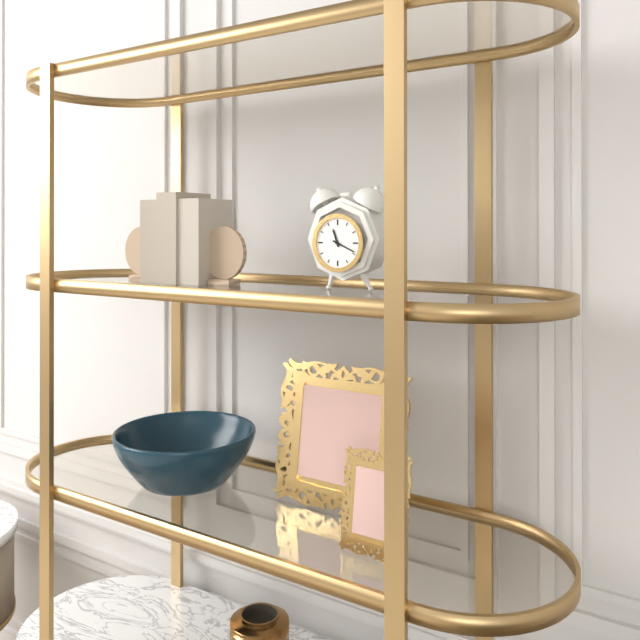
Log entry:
h=11 m=19
